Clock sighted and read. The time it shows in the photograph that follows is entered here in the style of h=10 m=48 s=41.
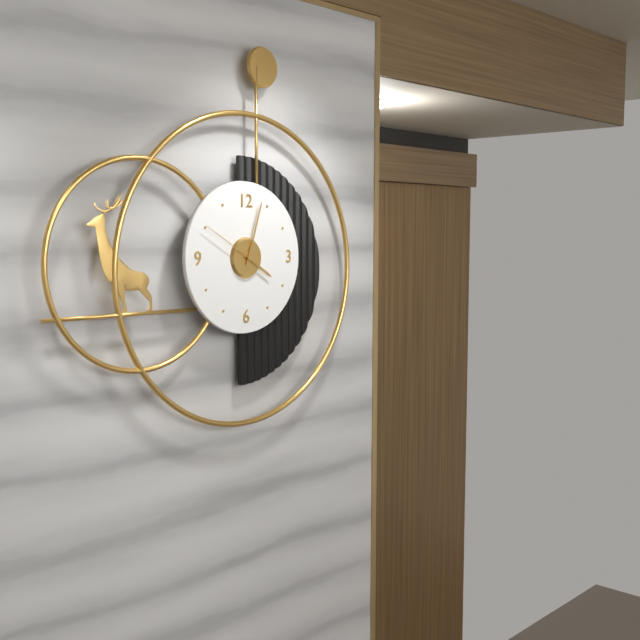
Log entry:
h=4 m=3 s=50
